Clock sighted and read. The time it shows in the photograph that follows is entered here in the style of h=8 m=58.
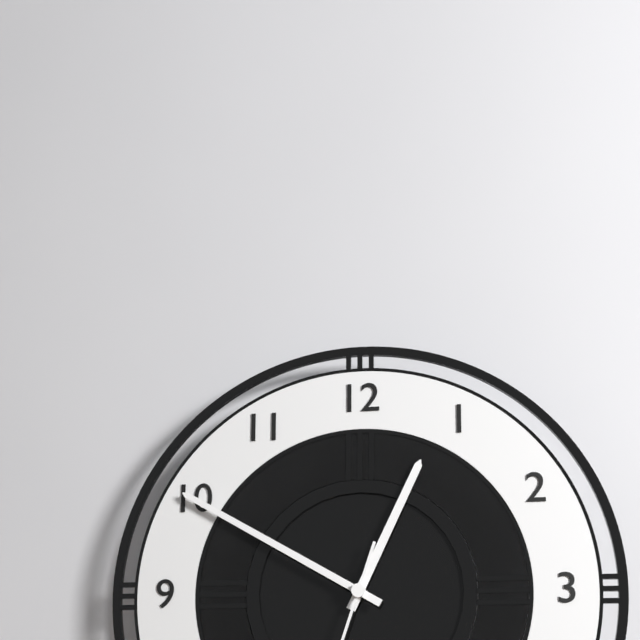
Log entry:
h=12 m=50
